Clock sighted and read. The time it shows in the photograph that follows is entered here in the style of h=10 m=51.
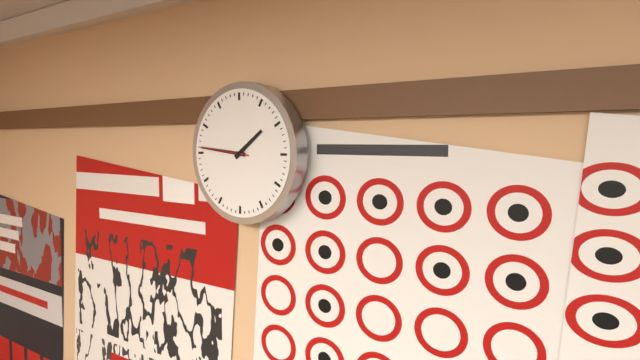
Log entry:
h=1 m=46
